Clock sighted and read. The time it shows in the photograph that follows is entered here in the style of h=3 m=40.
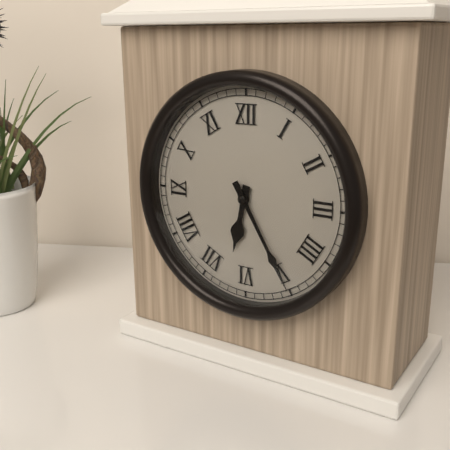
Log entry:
h=6 m=25
